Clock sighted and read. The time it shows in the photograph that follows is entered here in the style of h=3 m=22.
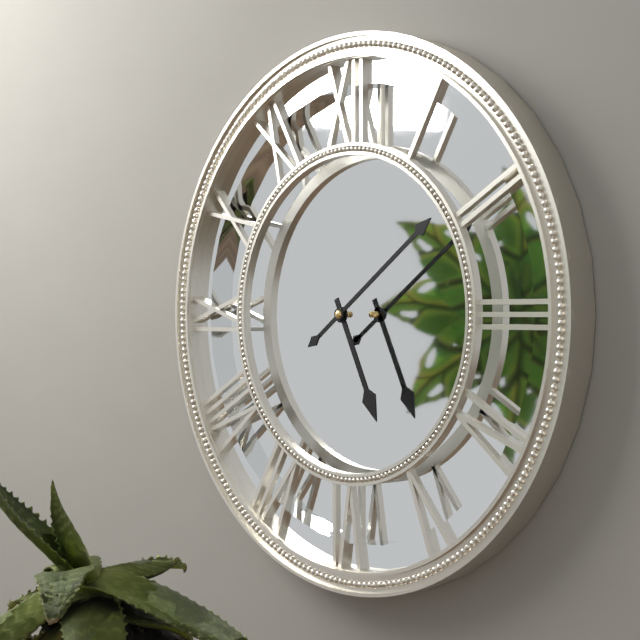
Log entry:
h=5 m=9
